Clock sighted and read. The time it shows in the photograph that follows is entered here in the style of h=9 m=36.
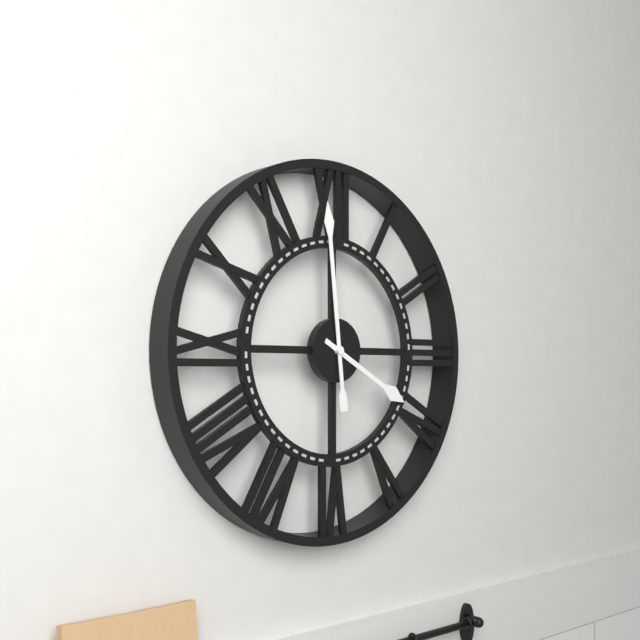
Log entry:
h=3 m=59
